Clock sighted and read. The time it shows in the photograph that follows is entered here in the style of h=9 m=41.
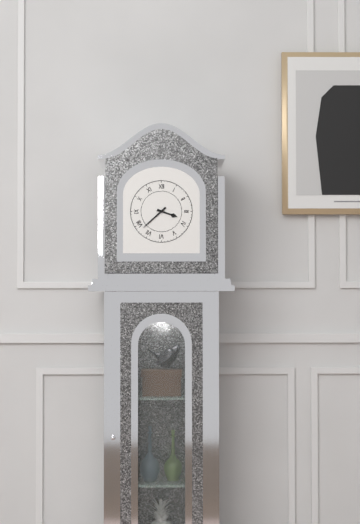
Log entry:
h=3 m=38
